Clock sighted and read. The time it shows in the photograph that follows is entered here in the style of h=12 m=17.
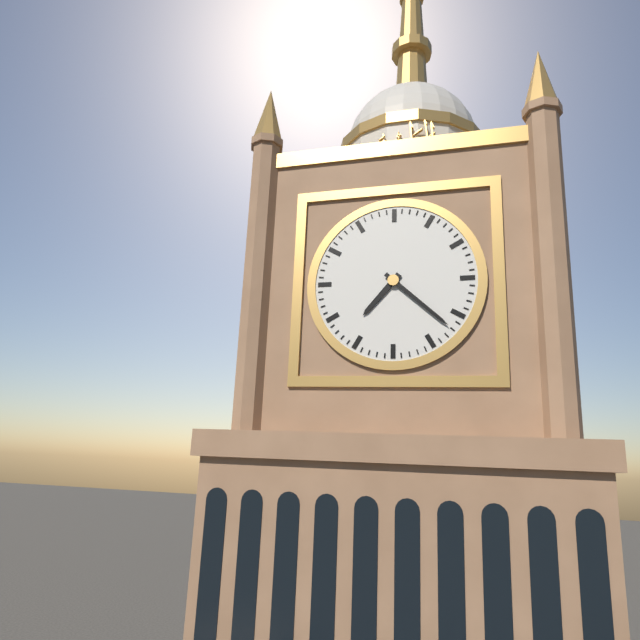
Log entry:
h=7 m=22
